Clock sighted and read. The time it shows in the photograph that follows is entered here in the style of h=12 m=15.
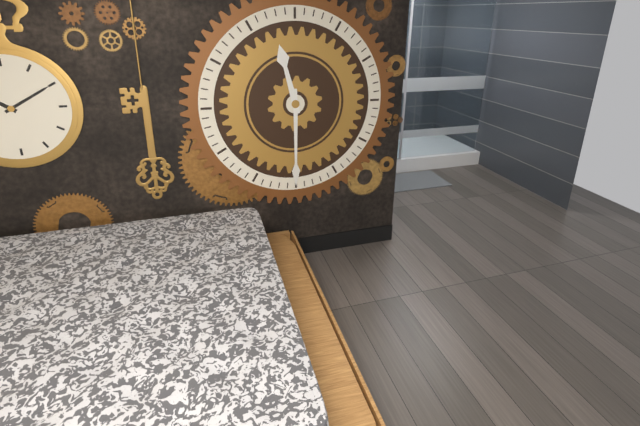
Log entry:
h=11 m=30
